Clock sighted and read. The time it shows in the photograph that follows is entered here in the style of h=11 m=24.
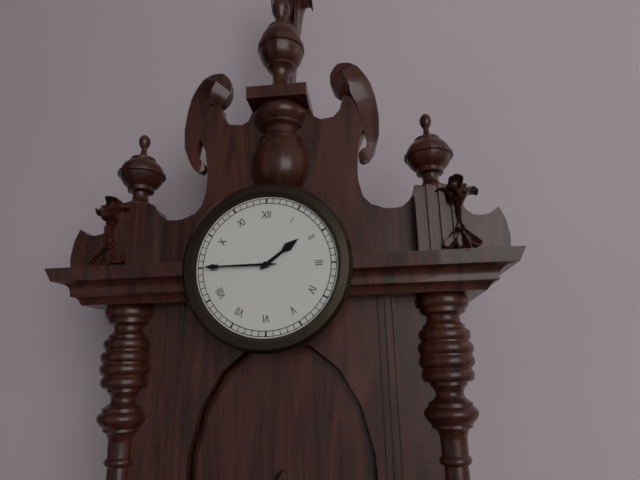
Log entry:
h=1 m=45
